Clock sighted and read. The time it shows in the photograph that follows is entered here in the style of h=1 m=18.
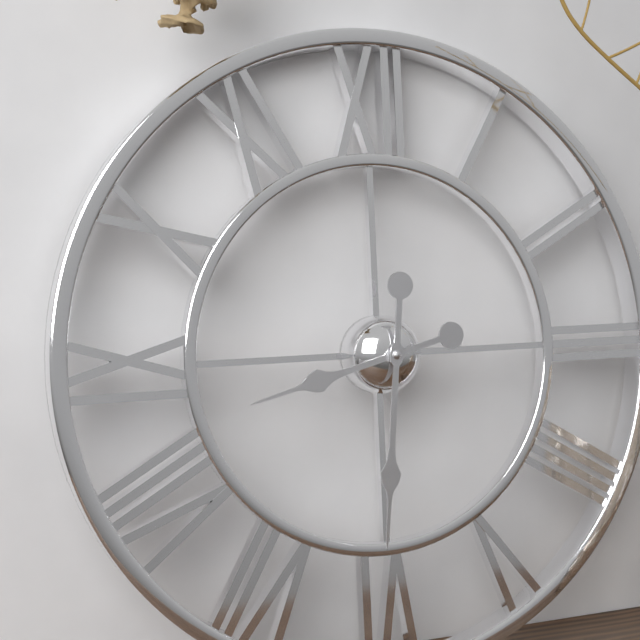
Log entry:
h=8 m=31
